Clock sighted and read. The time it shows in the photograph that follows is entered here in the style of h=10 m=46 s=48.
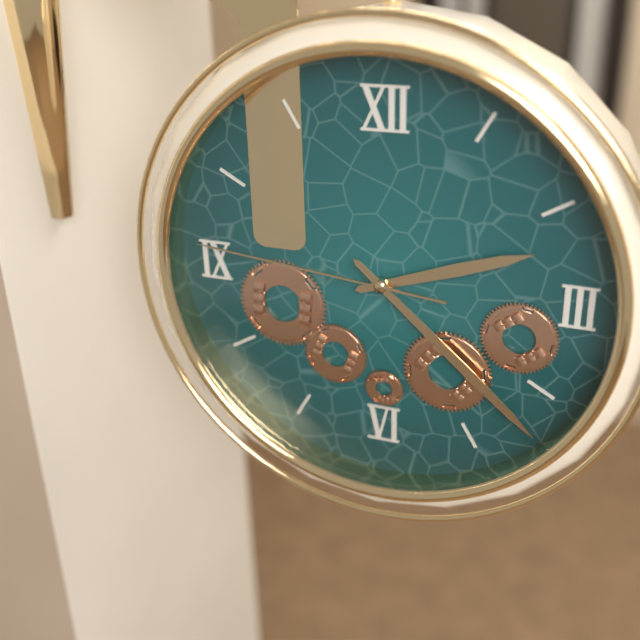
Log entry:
h=2 m=22 s=46
